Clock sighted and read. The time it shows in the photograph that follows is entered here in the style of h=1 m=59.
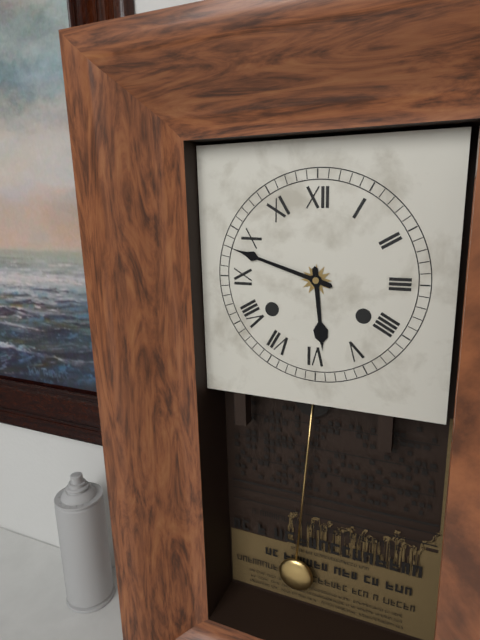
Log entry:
h=5 m=48
